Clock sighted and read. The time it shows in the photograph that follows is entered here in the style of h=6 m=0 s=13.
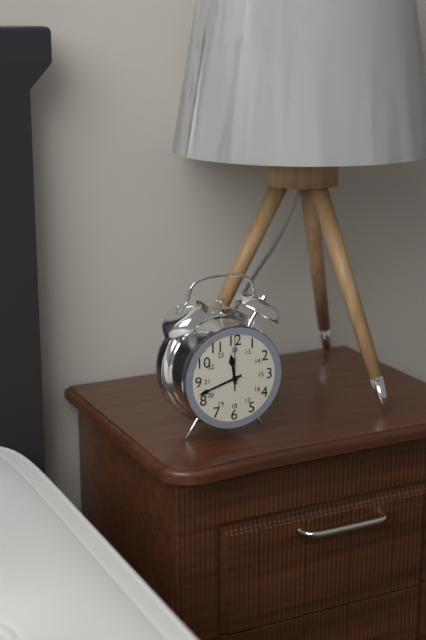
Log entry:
h=11 m=42 s=0
